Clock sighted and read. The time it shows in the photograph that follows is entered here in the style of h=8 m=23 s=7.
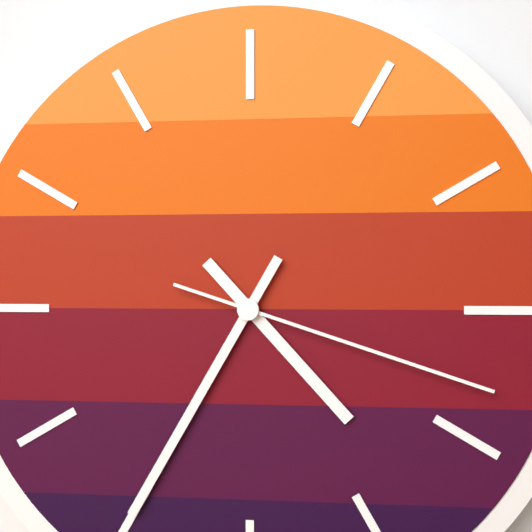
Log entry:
h=4 m=35 s=18
